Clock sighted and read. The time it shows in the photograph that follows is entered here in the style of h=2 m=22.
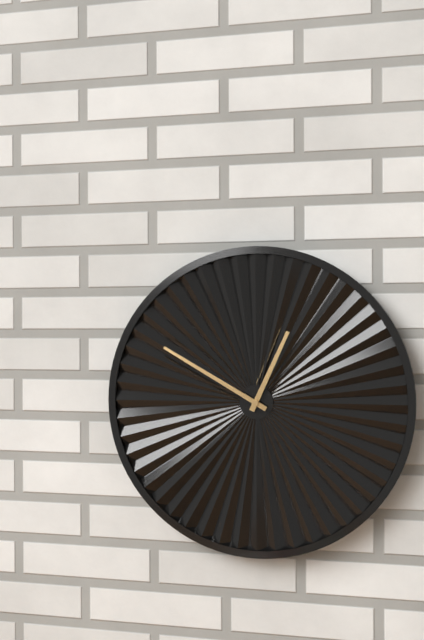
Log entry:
h=12 m=50
